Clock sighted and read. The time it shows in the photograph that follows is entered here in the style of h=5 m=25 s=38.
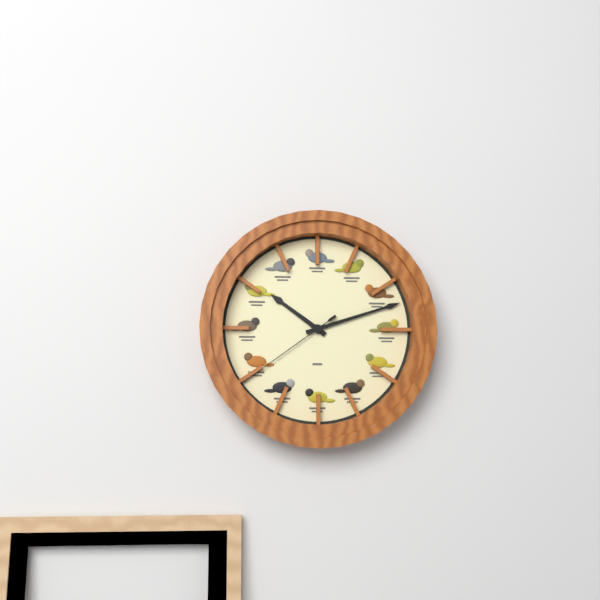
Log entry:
h=10 m=12 s=39
